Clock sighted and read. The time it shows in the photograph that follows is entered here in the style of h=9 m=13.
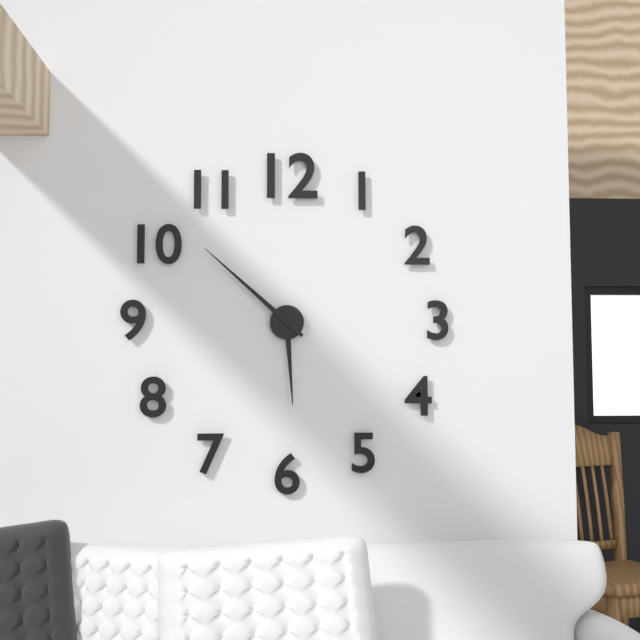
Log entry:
h=5 m=52
